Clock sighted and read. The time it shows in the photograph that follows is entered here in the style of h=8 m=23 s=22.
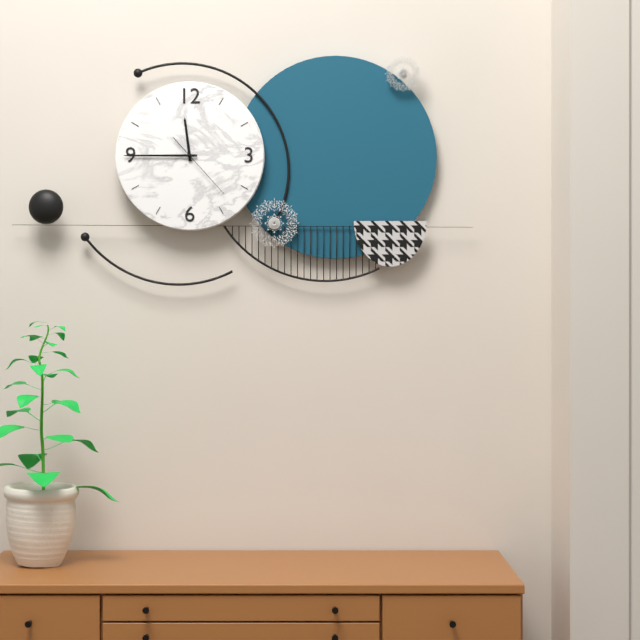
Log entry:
h=11 m=45 s=23
